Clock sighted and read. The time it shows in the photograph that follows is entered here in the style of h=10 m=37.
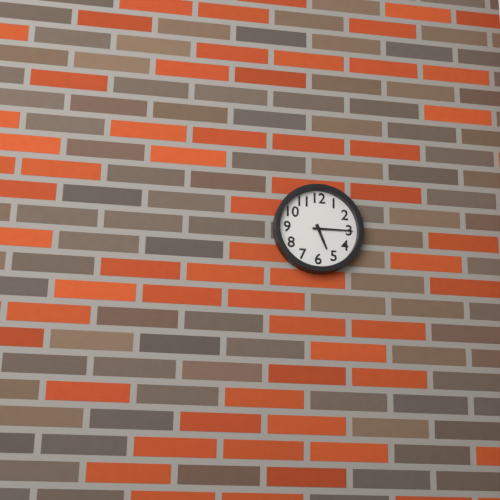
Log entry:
h=5 m=15
